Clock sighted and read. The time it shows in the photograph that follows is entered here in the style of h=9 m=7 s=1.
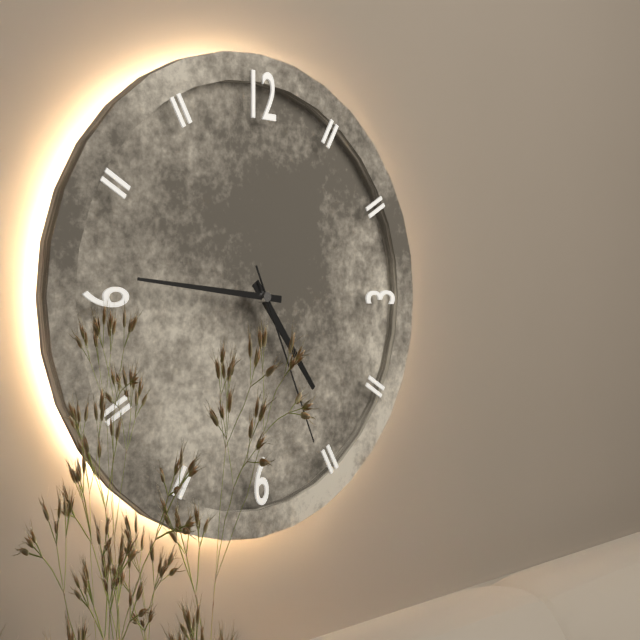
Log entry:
h=4 m=46 s=26
